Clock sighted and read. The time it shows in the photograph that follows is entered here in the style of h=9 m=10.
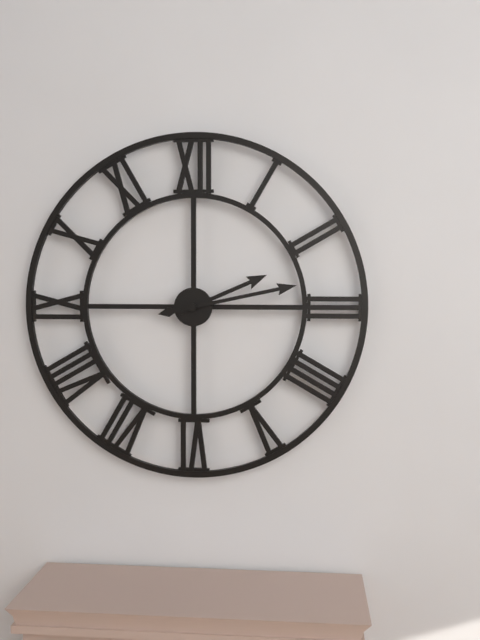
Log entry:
h=2 m=13
